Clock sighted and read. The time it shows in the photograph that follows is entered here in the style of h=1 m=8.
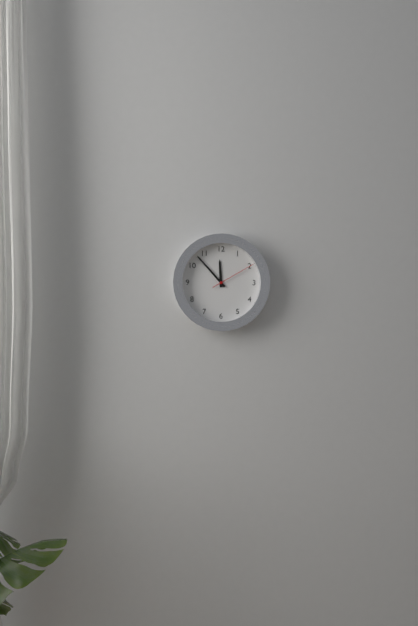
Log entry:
h=11 m=53
